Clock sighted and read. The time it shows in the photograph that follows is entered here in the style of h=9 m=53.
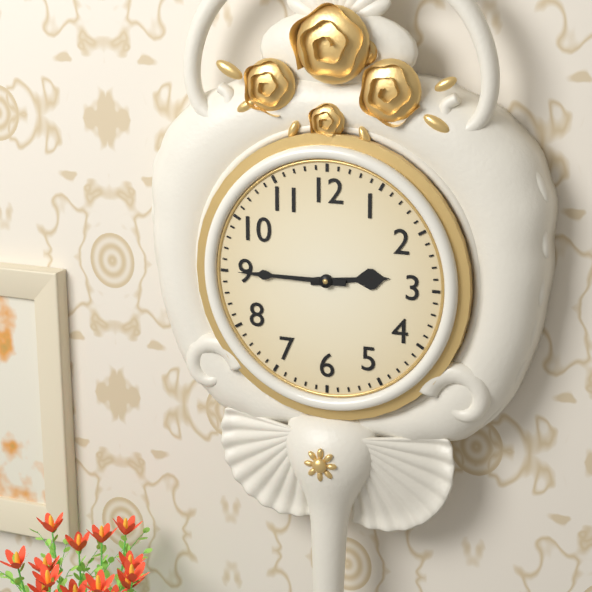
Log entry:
h=2 m=45
